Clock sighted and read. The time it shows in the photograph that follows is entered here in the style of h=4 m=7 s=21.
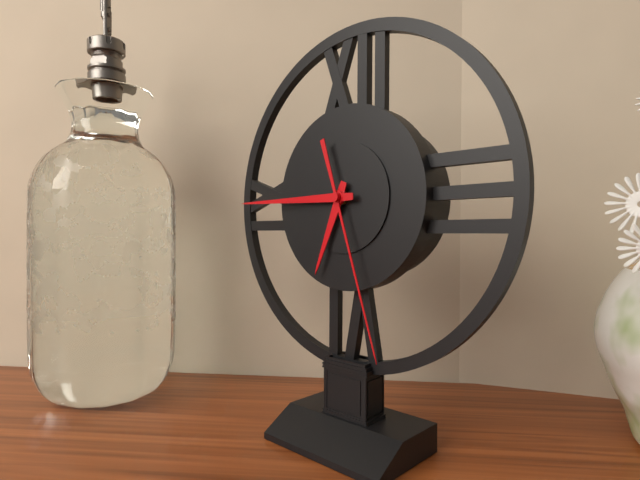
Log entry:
h=6 m=45 s=27
